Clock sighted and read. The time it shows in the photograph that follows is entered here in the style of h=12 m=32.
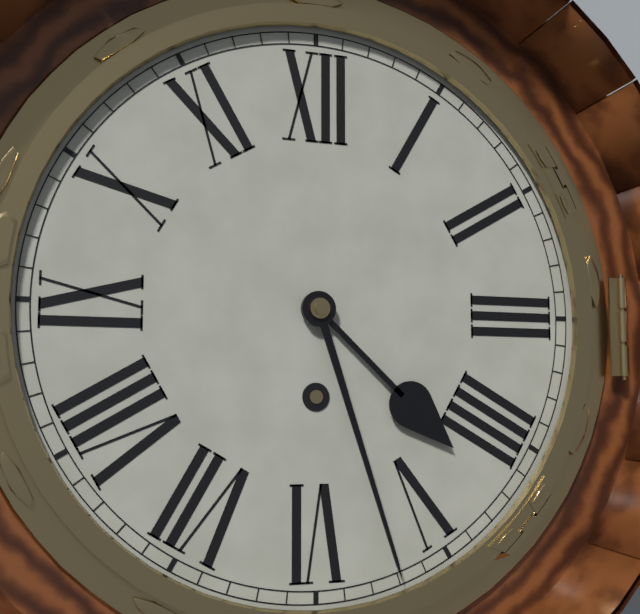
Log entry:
h=4 m=27
